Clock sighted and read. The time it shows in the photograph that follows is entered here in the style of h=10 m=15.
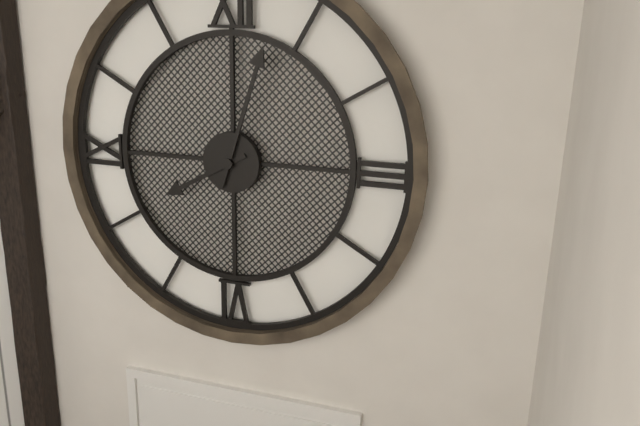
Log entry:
h=8 m=3
